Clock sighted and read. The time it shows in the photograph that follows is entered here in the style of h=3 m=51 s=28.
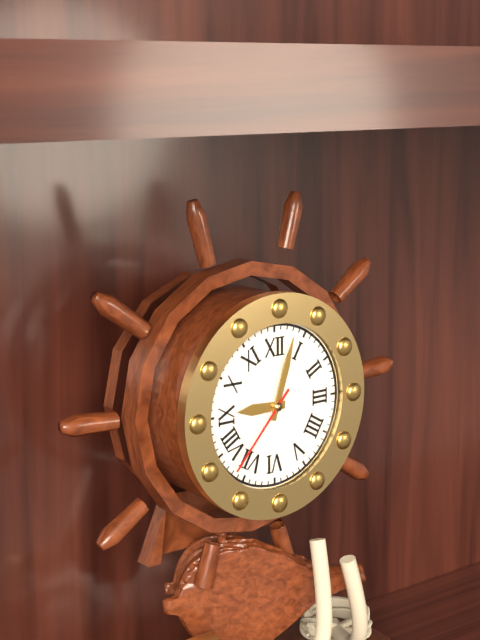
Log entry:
h=9 m=3 s=37
